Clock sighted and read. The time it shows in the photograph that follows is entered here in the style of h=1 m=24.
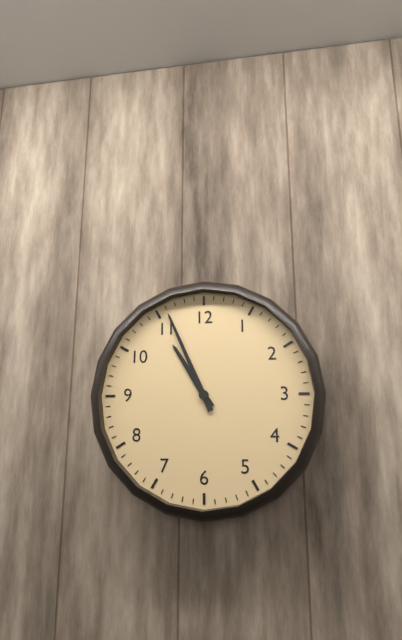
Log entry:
h=10 m=56
